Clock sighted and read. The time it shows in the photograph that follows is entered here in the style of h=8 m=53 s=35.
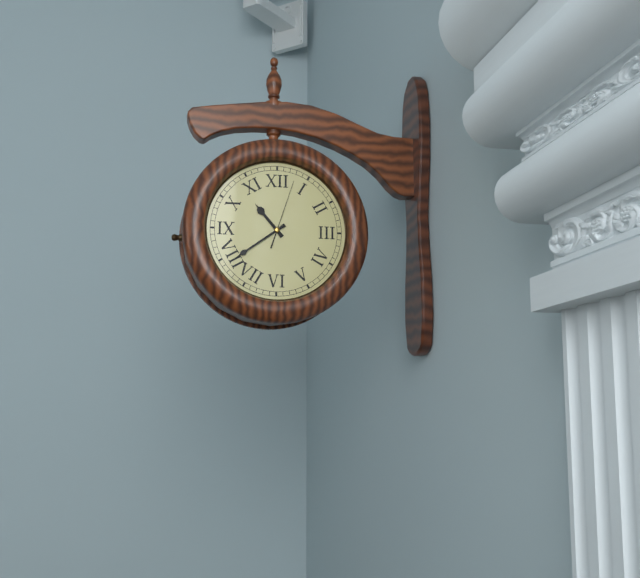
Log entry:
h=10 m=39 s=3
